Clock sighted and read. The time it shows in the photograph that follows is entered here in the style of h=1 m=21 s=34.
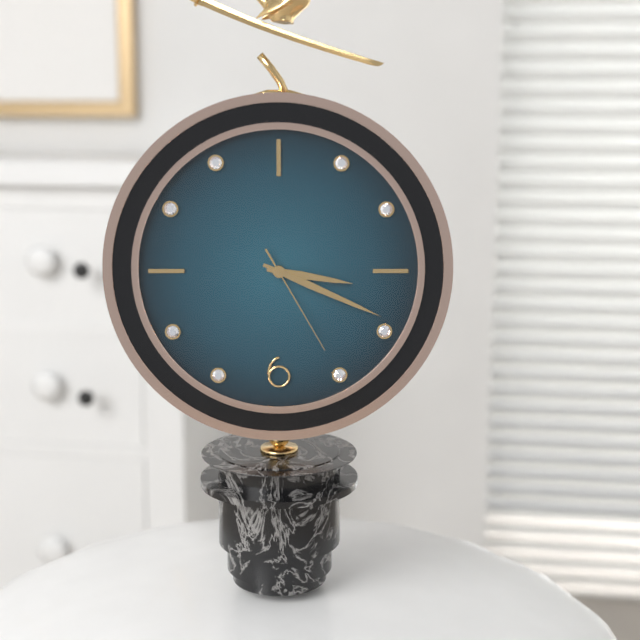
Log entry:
h=3 m=19 s=25
